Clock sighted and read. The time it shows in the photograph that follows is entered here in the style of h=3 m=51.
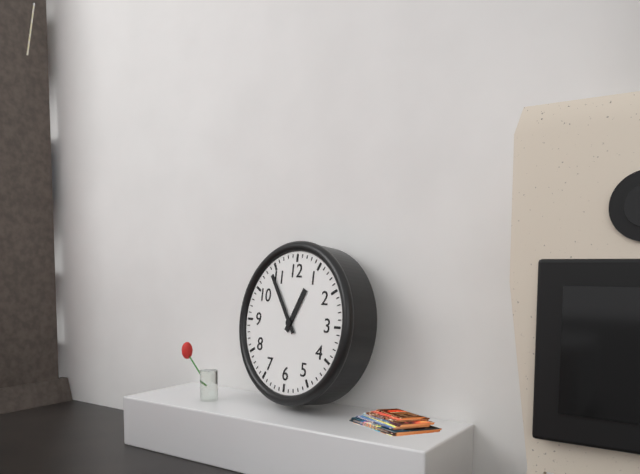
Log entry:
h=12 m=54
